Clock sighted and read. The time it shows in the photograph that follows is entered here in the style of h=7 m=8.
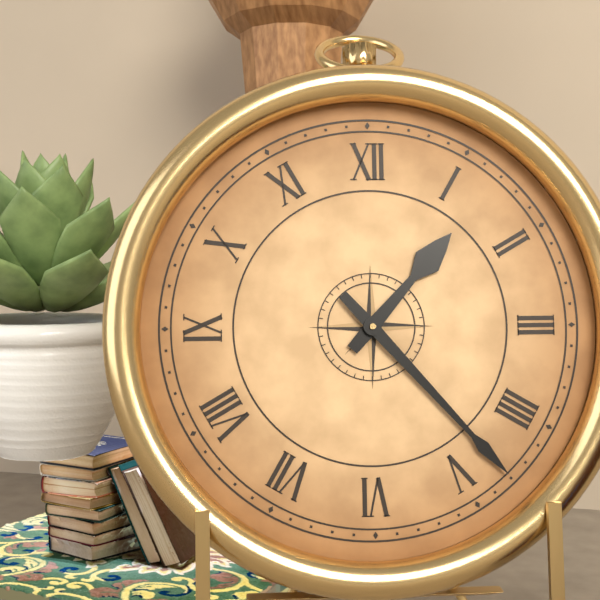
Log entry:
h=1 m=23
